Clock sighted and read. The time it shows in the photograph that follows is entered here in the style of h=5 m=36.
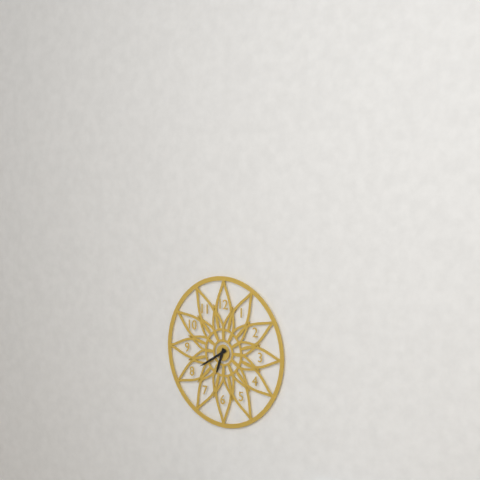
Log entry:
h=6 m=40
